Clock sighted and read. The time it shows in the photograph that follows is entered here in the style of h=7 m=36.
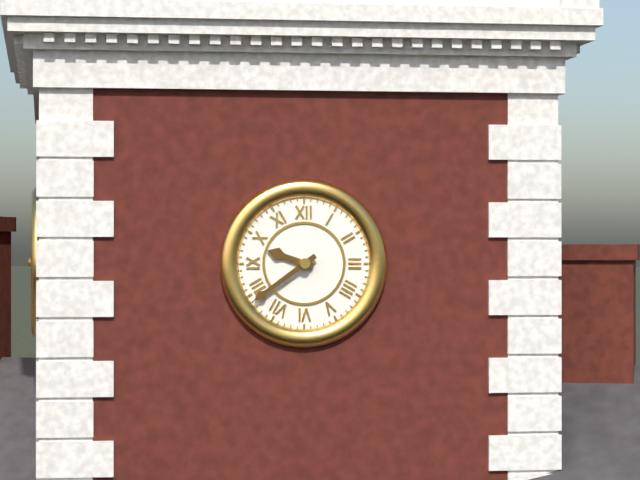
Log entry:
h=9 m=39
